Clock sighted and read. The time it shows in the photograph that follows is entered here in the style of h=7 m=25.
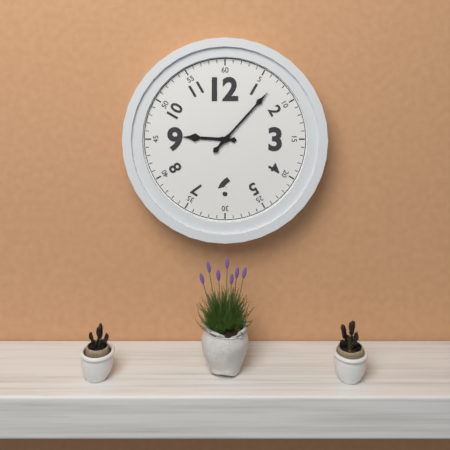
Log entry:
h=9 m=7
